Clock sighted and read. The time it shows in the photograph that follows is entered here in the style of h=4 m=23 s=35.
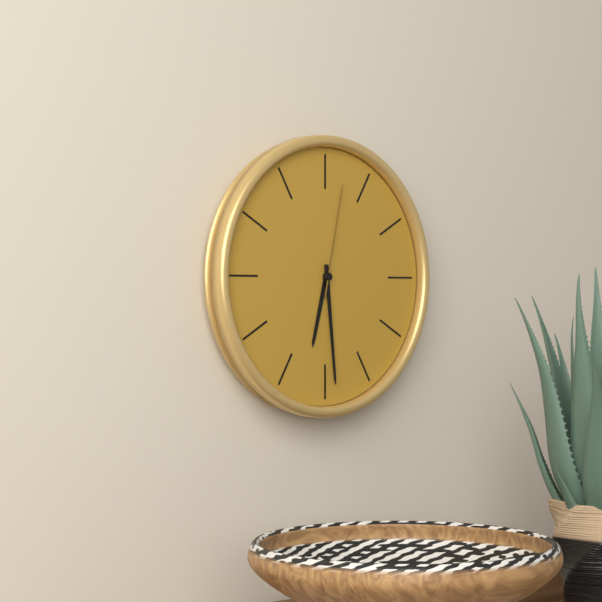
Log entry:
h=6 m=29 s=2
